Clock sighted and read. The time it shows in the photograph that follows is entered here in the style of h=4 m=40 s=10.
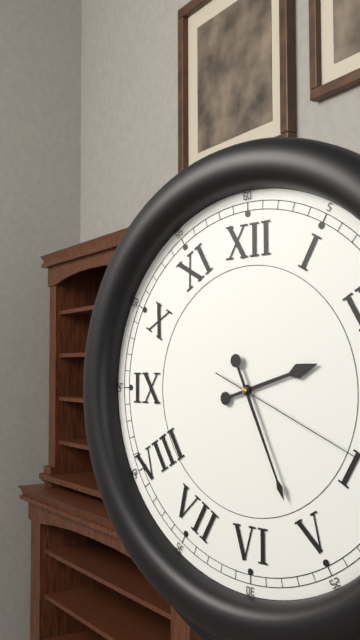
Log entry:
h=2 m=26 s=19
